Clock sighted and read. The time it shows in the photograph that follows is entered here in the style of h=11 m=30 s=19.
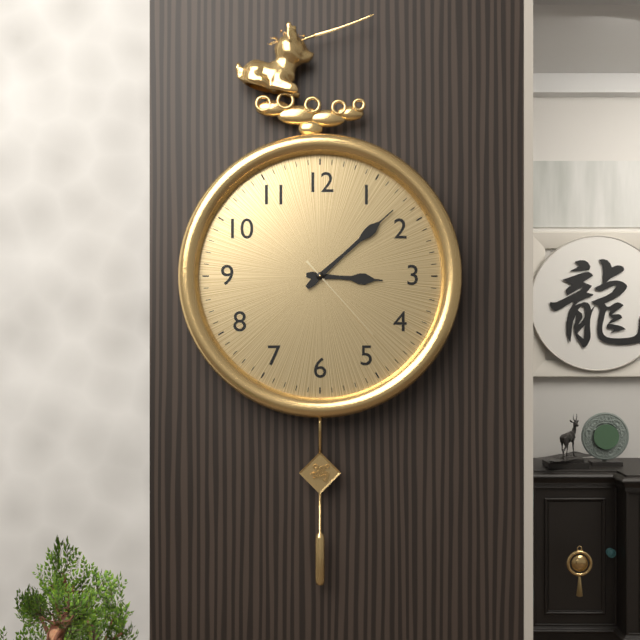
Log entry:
h=3 m=8 s=23
